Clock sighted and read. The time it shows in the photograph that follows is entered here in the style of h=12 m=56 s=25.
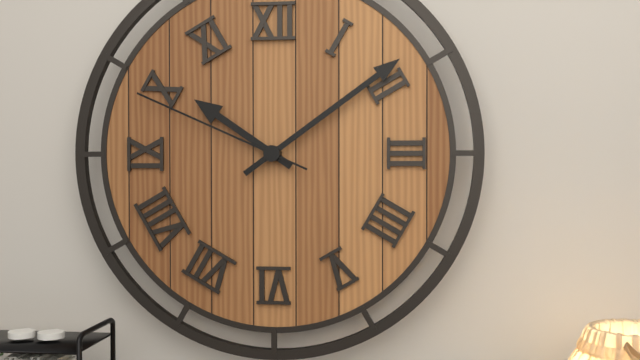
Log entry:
h=10 m=9 s=49
